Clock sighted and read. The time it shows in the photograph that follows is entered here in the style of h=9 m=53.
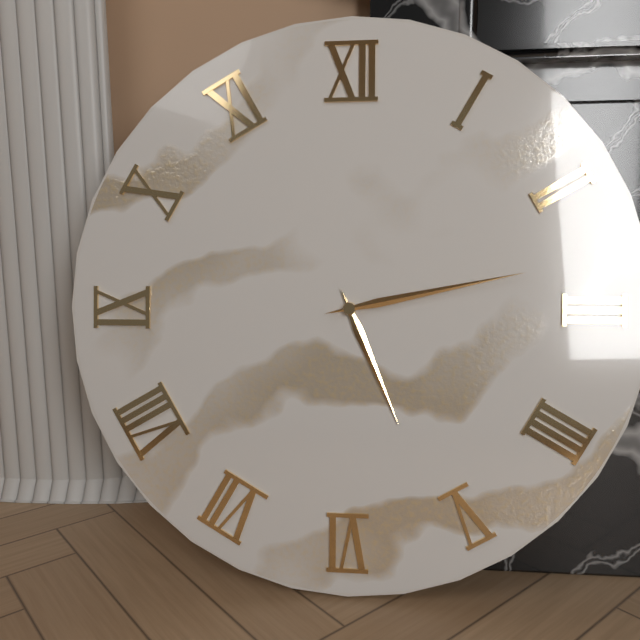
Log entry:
h=5 m=13
